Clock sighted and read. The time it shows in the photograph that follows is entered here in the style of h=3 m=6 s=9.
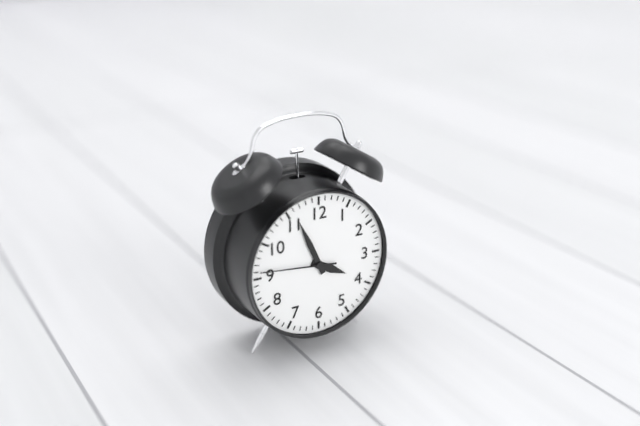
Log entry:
h=3 m=56 s=46
